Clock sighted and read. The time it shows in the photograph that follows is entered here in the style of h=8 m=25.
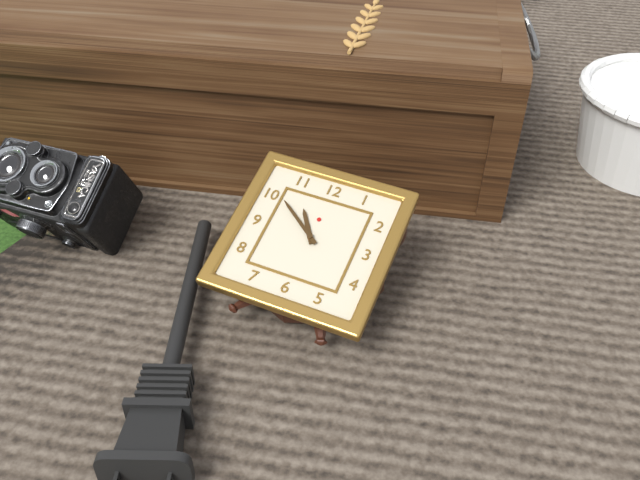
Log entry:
h=10 m=51
